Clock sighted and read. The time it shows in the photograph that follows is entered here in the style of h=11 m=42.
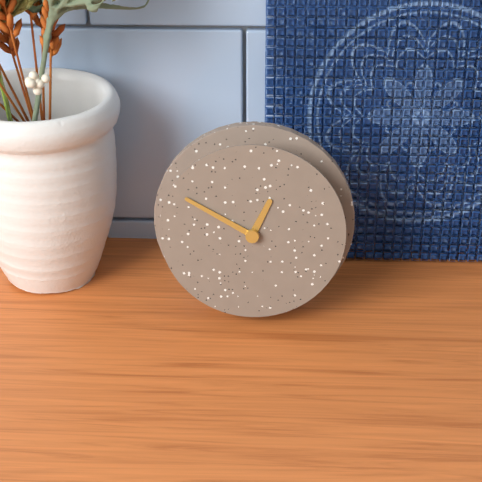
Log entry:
h=12 m=50
